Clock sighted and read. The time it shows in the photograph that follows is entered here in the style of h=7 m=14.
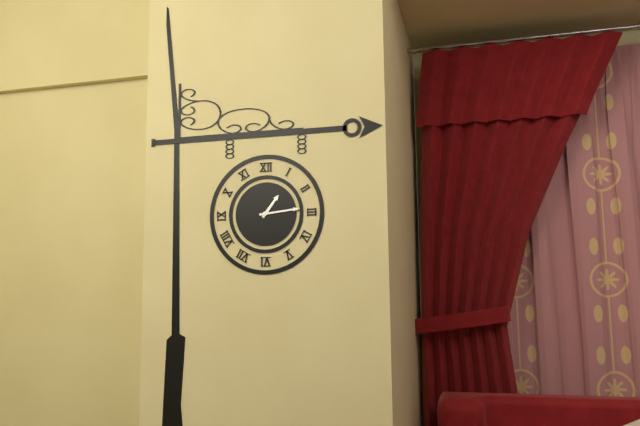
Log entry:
h=1 m=14
